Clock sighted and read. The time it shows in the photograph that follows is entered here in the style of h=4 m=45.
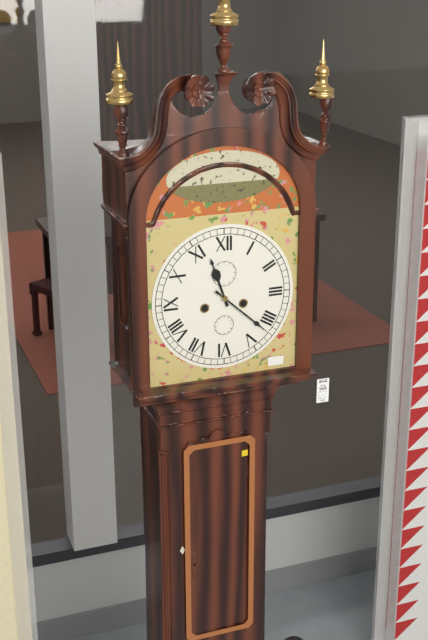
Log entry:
h=11 m=22
